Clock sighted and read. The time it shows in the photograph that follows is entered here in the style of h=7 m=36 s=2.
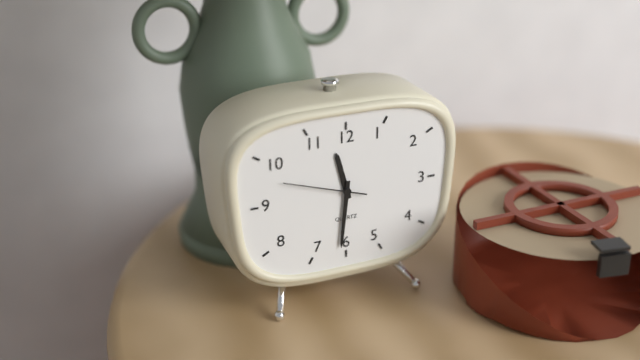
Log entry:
h=11 m=31 s=48
